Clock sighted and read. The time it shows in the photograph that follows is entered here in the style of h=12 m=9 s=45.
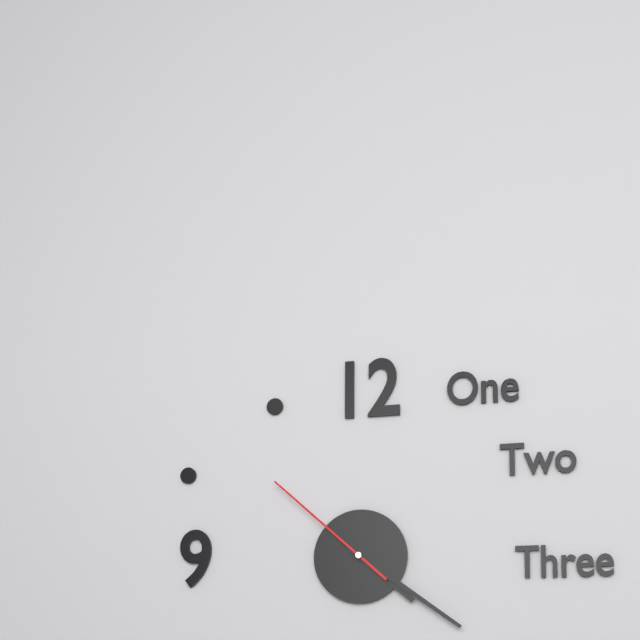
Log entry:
h=4 m=21 s=52
